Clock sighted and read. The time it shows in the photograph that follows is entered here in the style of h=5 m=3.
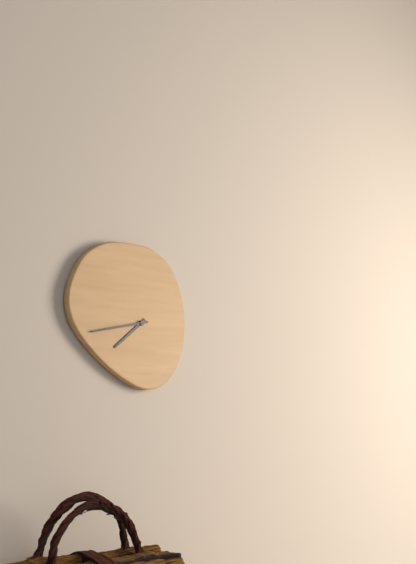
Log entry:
h=7 m=43
